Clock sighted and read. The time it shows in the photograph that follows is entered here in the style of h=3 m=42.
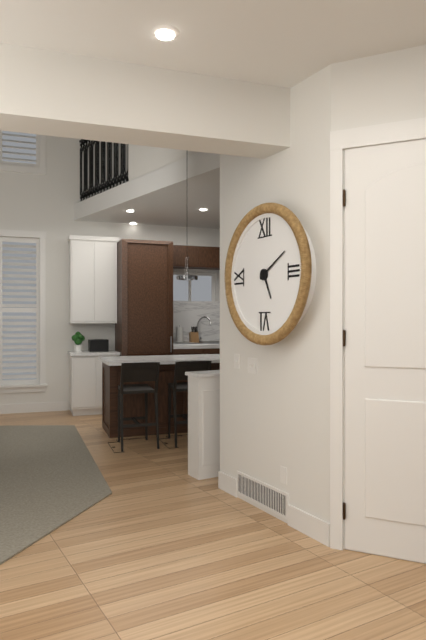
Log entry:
h=5 m=10
